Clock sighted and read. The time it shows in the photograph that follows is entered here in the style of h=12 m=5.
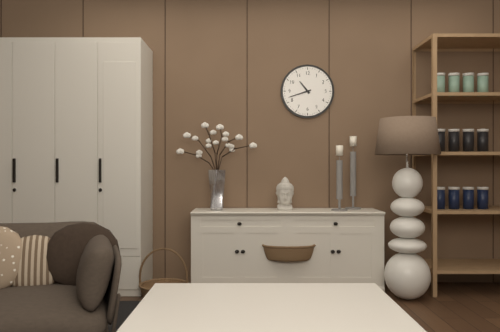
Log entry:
h=10 m=42
